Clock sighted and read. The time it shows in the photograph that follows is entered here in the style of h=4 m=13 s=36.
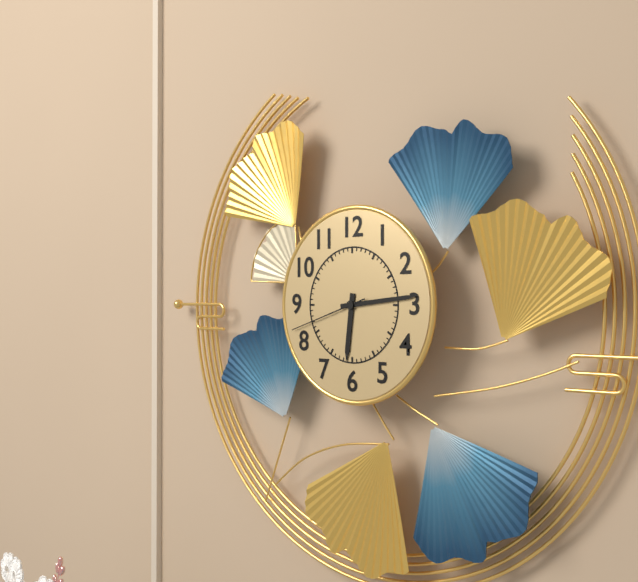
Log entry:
h=6 m=14 s=42
